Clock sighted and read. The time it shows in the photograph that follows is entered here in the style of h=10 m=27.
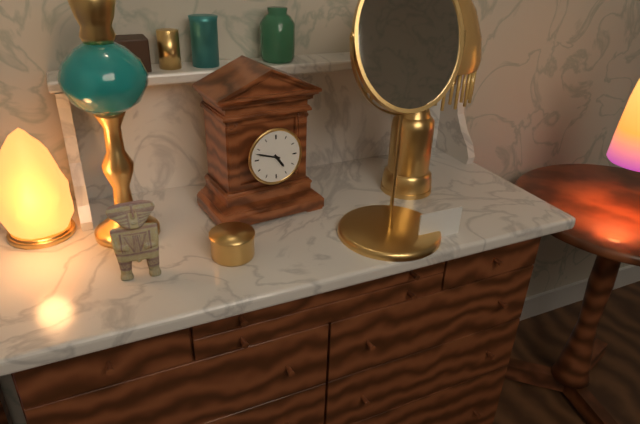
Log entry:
h=4 m=48
